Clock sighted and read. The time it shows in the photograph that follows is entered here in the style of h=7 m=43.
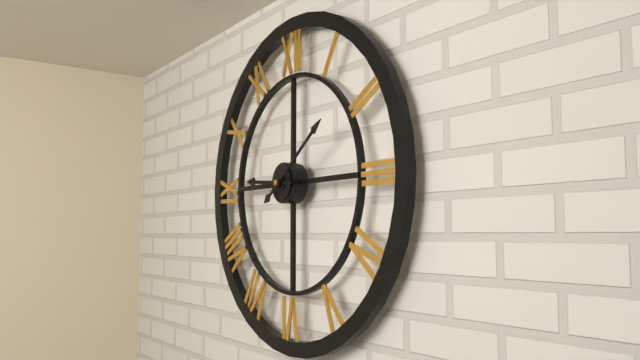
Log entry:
h=9 m=9
